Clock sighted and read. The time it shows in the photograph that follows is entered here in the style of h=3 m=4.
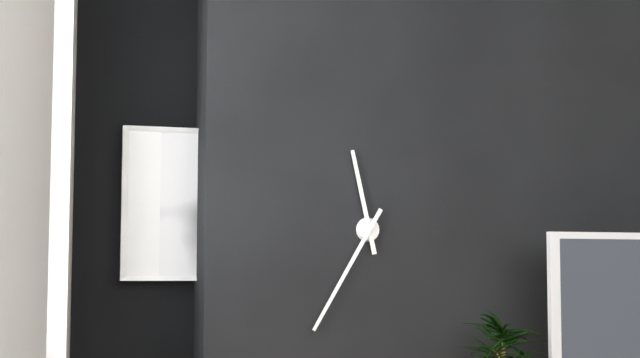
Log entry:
h=11 m=35
